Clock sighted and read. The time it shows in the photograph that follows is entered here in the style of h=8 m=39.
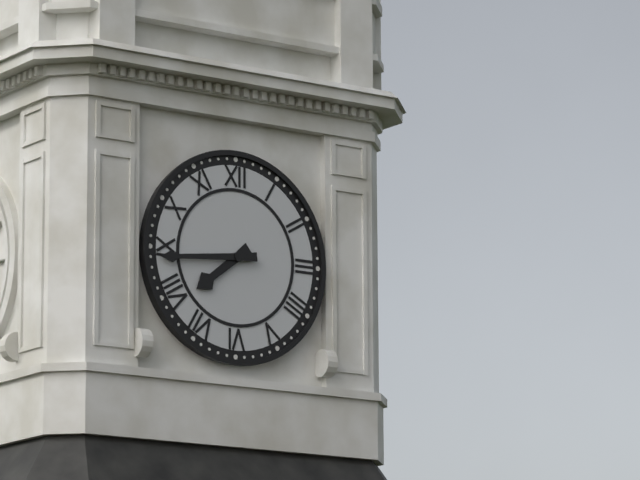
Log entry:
h=7 m=44
